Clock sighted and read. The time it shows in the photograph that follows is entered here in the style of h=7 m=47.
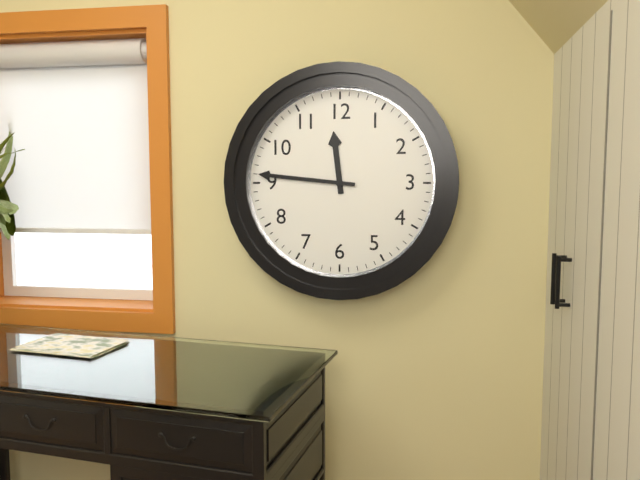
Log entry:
h=11 m=46
